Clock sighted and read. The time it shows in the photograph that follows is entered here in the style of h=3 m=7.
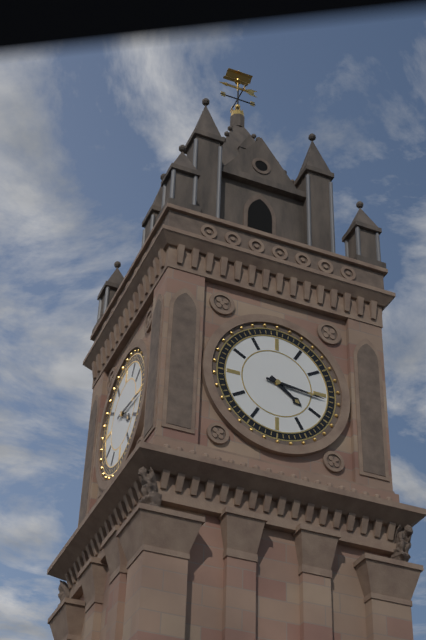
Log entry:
h=4 m=16
